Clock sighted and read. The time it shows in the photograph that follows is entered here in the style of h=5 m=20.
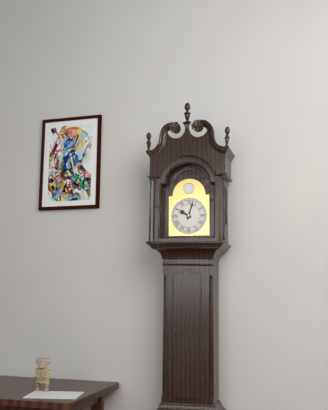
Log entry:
h=10 m=3
